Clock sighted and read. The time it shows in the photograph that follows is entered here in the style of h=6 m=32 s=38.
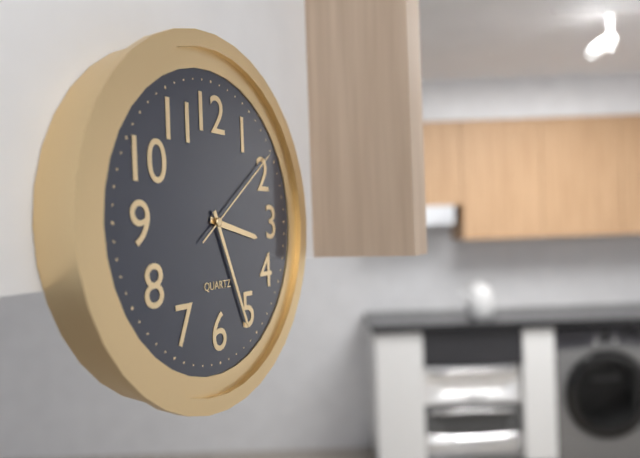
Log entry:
h=3 m=26 s=9
